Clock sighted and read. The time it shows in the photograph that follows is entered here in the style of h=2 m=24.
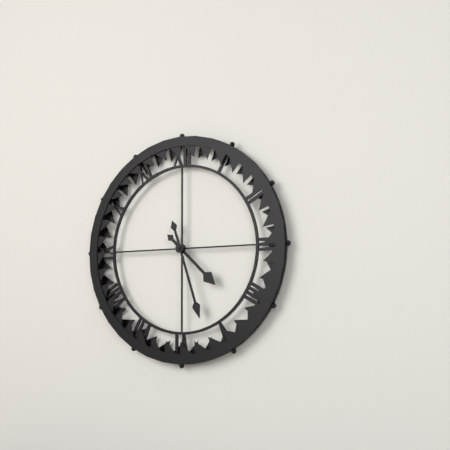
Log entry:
h=4 m=27
